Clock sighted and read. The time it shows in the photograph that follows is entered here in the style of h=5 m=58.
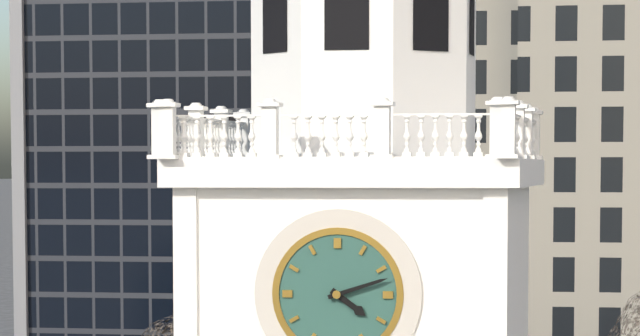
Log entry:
h=4 m=12
